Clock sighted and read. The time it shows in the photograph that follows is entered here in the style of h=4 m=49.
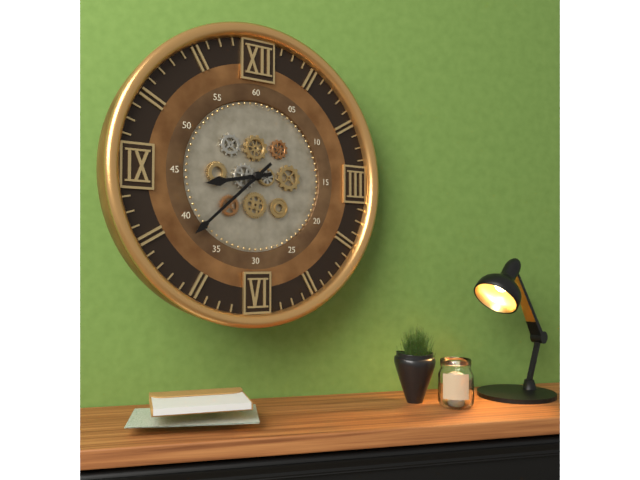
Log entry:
h=8 m=38
